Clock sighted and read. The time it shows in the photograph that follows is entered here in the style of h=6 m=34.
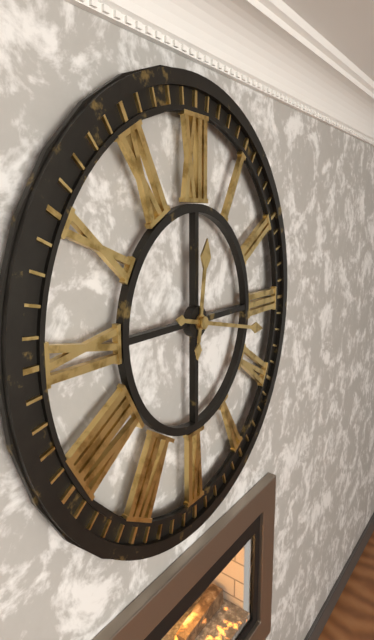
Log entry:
h=12 m=17
